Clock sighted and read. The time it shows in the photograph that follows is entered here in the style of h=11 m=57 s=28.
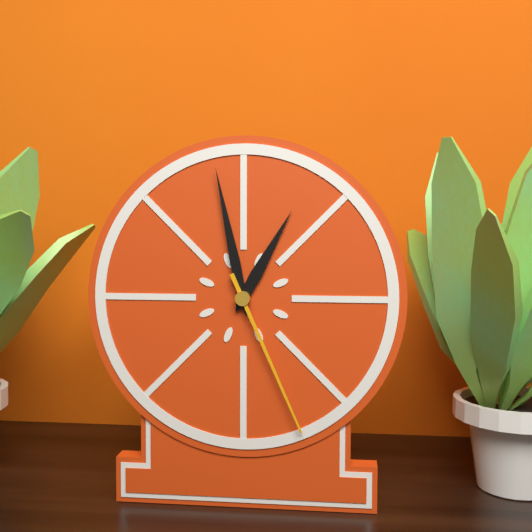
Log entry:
h=12 m=58 s=26
